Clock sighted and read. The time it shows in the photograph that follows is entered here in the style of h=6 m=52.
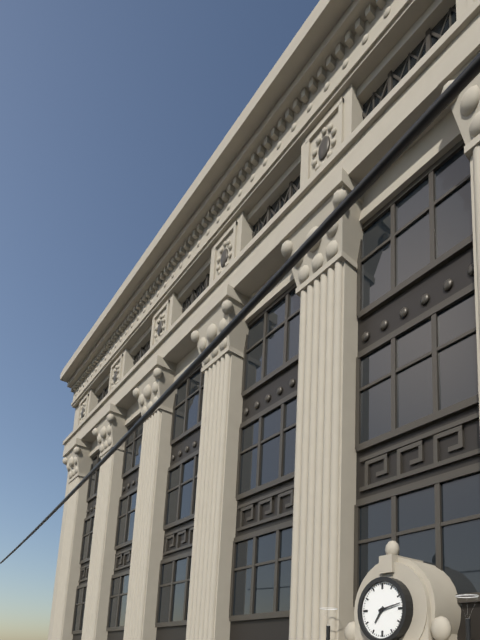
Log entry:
h=7 m=13
